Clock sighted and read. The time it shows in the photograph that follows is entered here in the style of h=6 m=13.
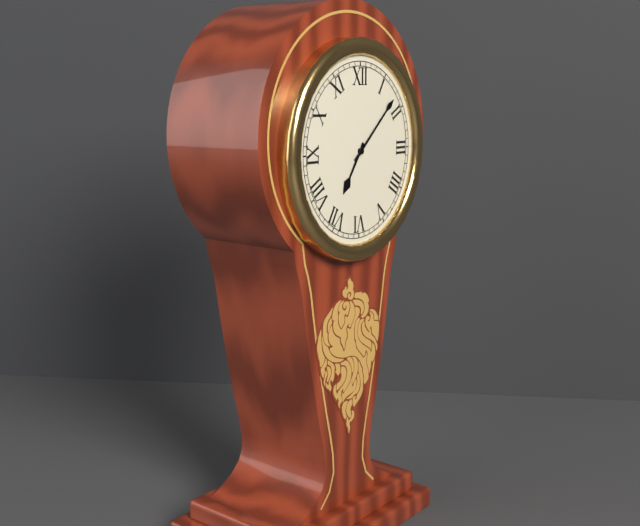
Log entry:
h=7 m=8
